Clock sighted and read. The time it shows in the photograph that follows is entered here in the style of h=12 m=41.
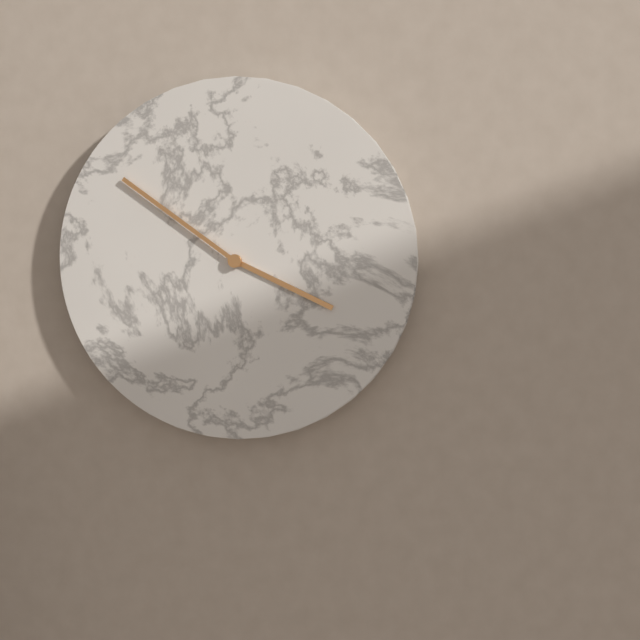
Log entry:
h=3 m=51
